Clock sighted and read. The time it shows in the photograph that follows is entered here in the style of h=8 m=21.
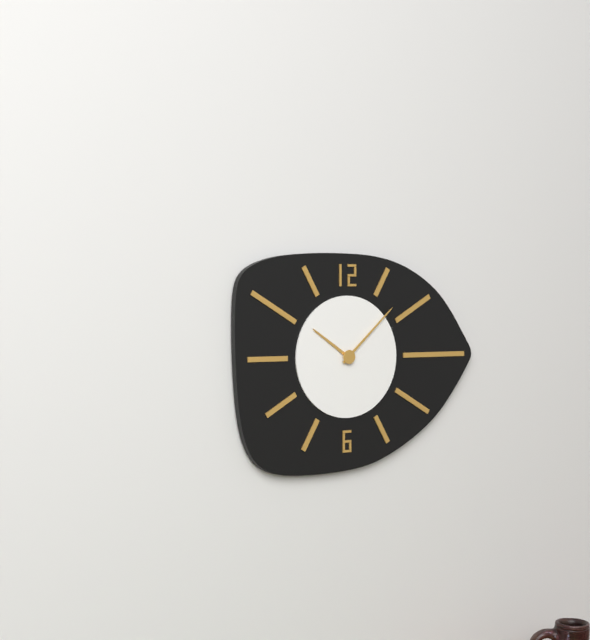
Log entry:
h=10 m=8
